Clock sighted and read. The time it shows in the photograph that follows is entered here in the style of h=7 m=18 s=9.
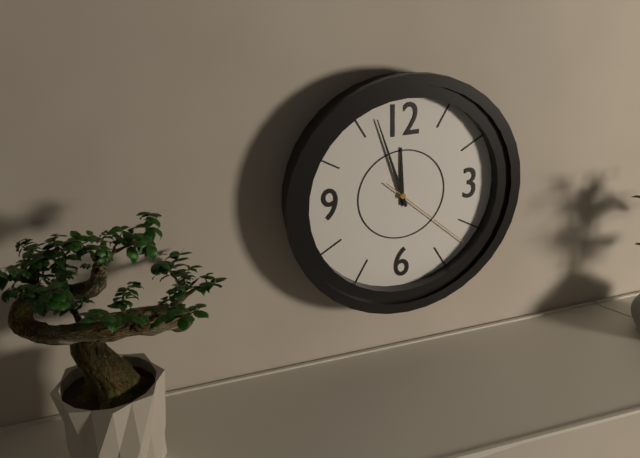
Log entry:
h=11 m=57 s=22
